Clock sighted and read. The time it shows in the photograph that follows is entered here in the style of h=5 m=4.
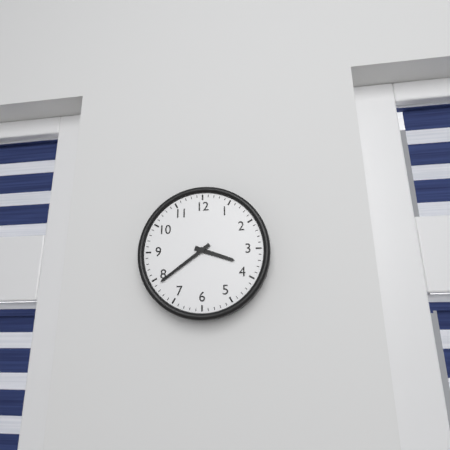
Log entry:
h=3 m=39
